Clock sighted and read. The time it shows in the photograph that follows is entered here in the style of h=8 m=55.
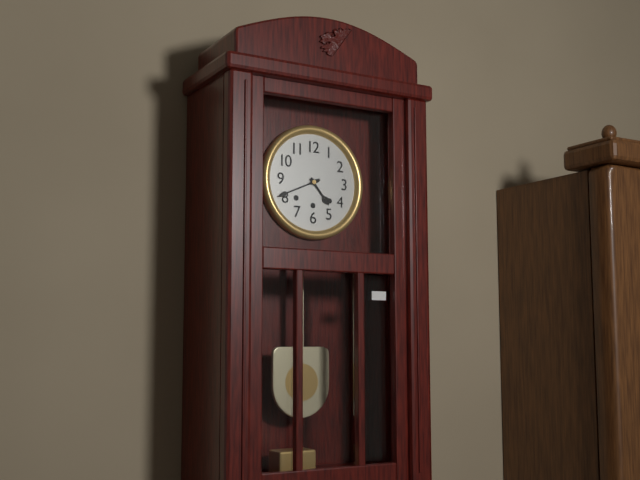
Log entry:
h=4 m=41
